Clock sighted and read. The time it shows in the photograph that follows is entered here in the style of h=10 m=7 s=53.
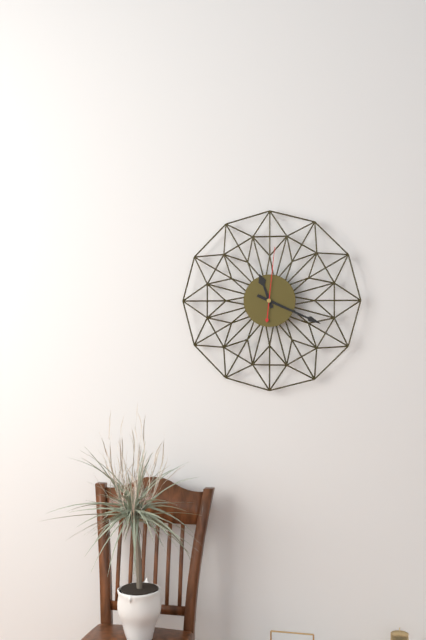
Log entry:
h=11 m=19 s=1
